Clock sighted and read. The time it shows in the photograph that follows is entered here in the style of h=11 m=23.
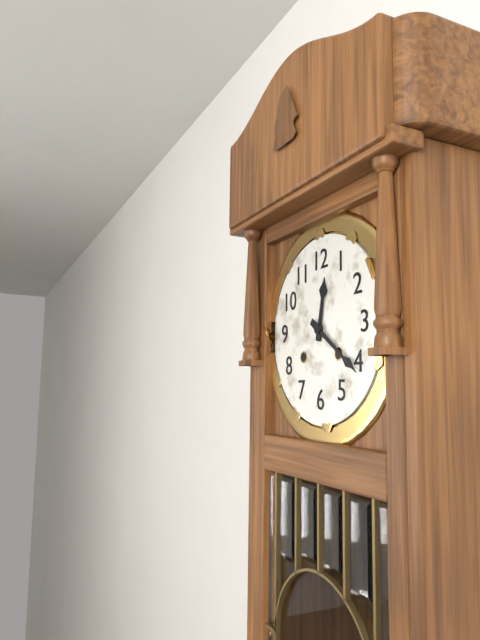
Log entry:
h=12 m=21
